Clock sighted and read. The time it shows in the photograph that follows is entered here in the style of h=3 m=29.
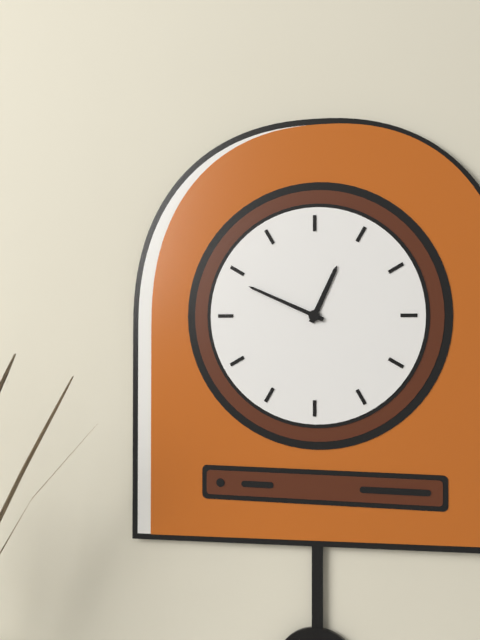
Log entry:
h=12 m=49
